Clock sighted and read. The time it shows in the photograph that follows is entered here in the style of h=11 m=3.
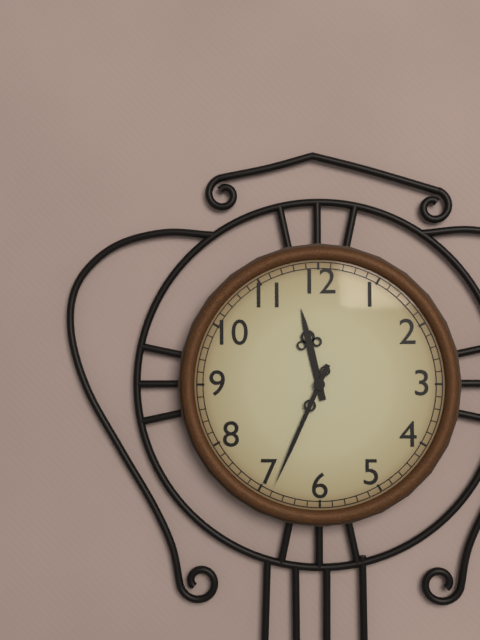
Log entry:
h=11 m=34
